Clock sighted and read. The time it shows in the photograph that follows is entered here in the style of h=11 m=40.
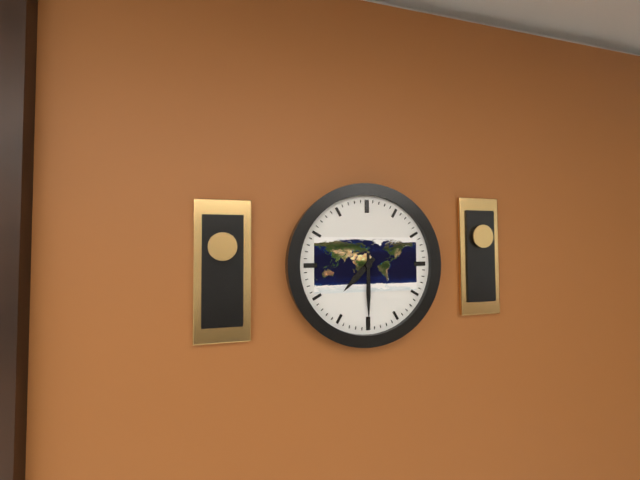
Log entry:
h=7 m=30
